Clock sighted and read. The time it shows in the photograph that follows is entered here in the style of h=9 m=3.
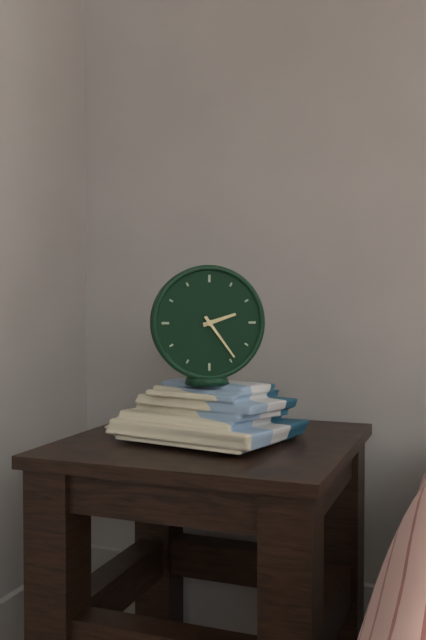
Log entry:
h=2 m=24
